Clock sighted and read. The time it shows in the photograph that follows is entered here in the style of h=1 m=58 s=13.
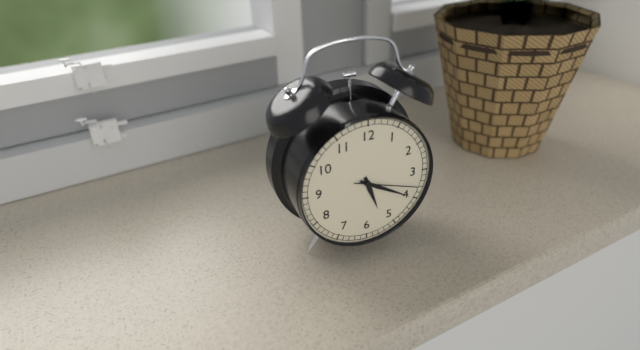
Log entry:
h=5 m=20 s=18
